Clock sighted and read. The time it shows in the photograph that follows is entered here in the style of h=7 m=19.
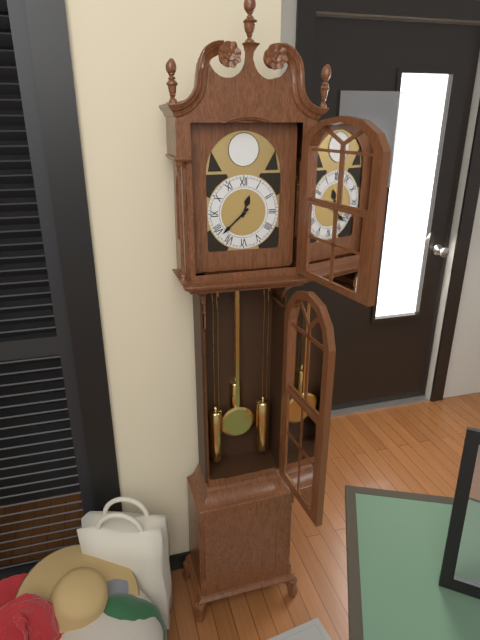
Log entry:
h=12 m=38
